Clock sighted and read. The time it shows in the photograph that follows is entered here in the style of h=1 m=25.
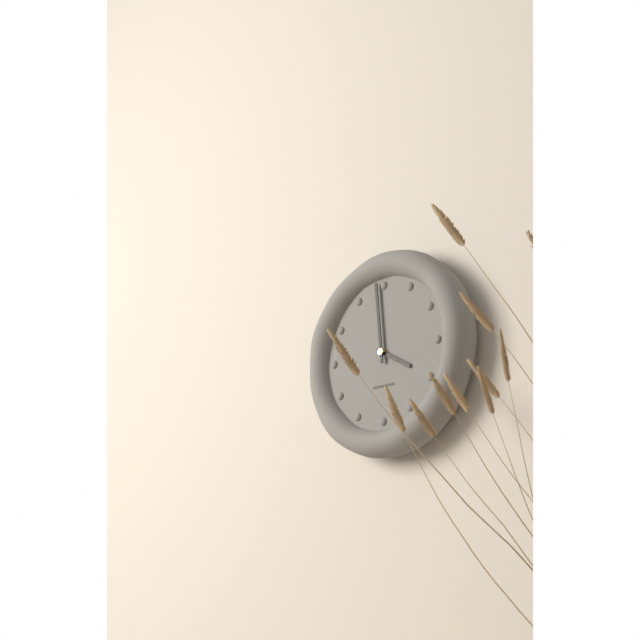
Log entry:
h=3 m=59
